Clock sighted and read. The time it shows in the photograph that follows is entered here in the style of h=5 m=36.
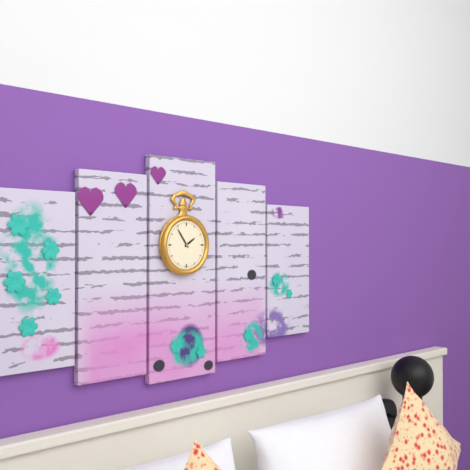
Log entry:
h=1 m=54
